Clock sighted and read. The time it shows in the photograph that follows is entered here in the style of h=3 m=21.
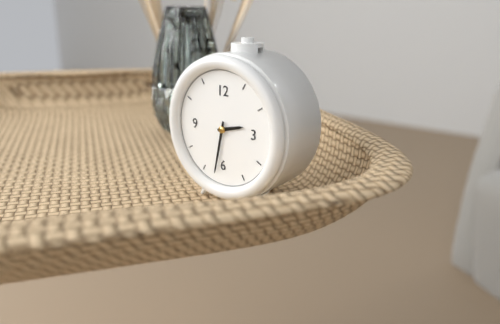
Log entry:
h=2 m=32
